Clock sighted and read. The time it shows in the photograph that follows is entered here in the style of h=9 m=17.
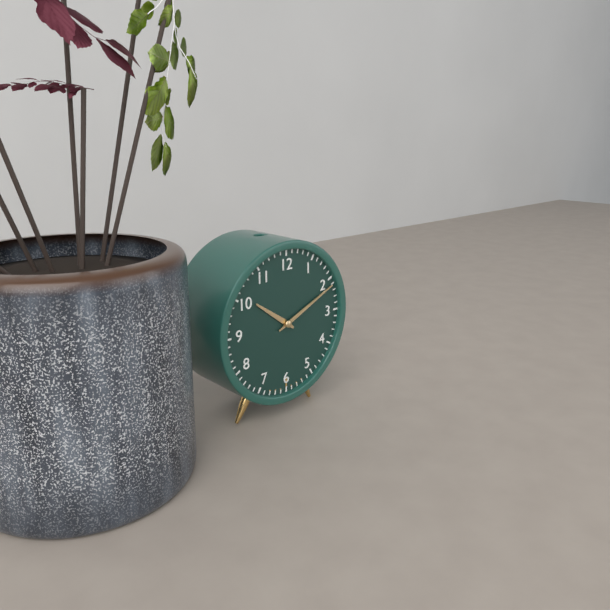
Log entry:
h=10 m=11
